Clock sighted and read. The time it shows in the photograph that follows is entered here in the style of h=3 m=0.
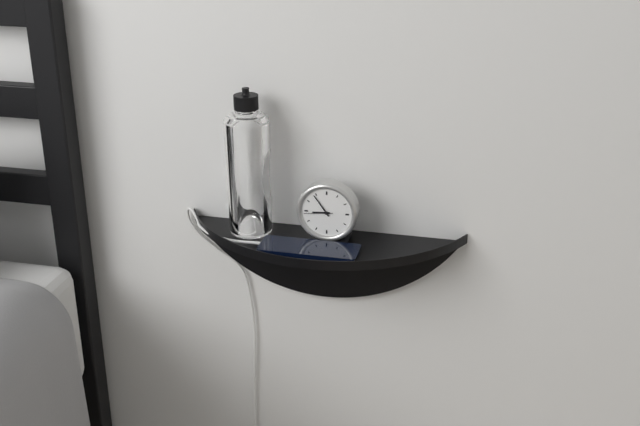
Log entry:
h=8 m=54
